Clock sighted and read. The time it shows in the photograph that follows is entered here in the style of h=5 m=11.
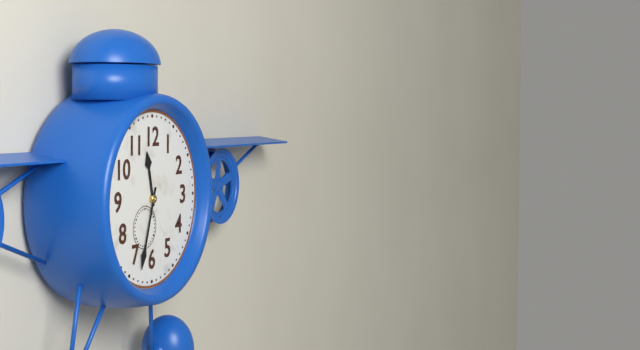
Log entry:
h=11 m=33
